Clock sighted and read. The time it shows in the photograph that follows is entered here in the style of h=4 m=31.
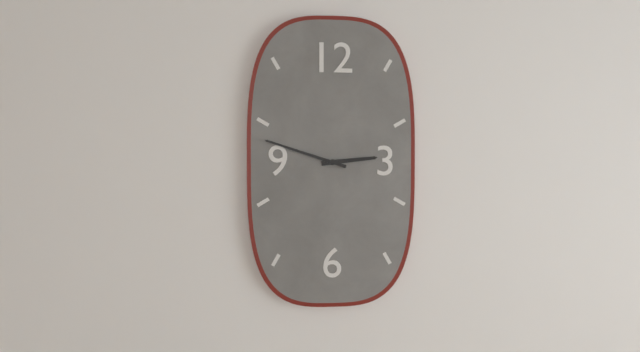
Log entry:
h=2 m=48
